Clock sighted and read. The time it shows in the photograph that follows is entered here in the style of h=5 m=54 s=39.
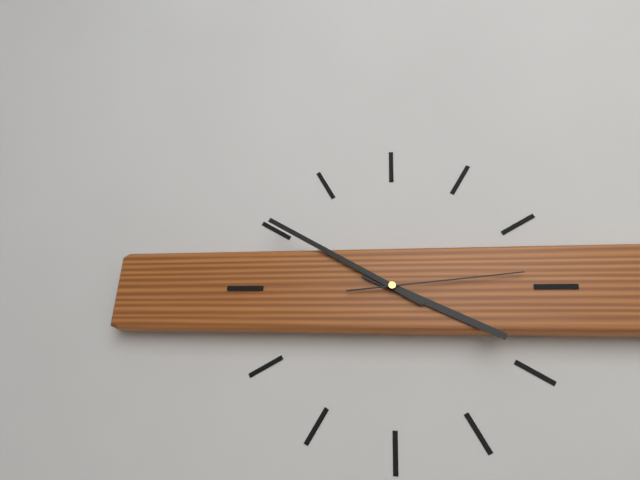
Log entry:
h=3 m=50 s=14
